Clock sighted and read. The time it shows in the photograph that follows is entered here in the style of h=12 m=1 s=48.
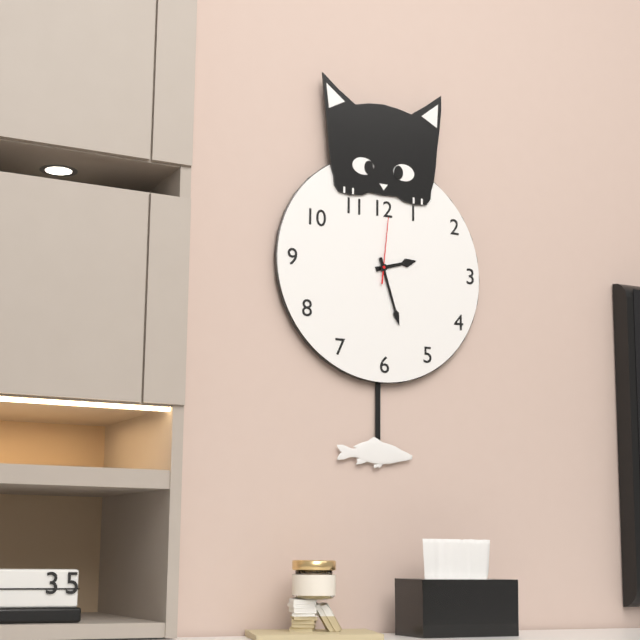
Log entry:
h=2 m=27 s=1
